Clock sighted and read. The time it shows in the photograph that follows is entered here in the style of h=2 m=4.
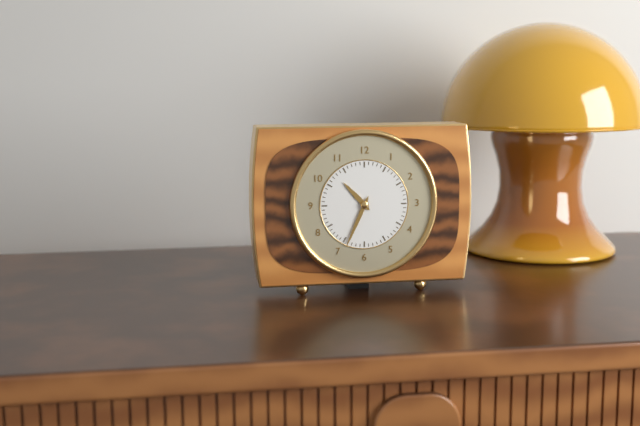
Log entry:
h=10 m=34
